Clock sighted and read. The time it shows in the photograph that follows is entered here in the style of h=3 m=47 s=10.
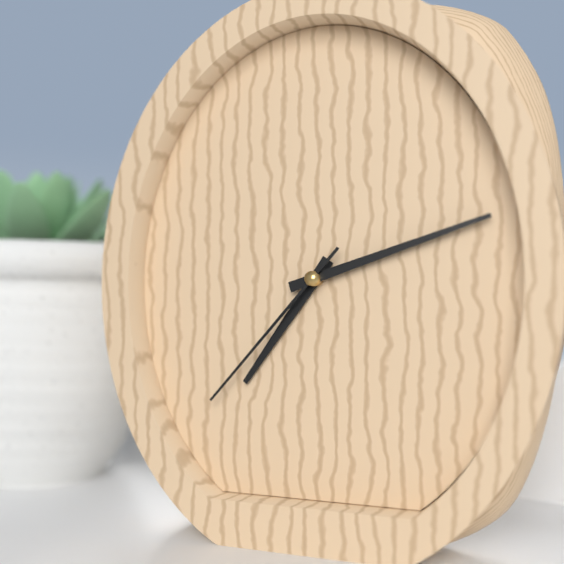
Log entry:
h=7 m=12 s=37
